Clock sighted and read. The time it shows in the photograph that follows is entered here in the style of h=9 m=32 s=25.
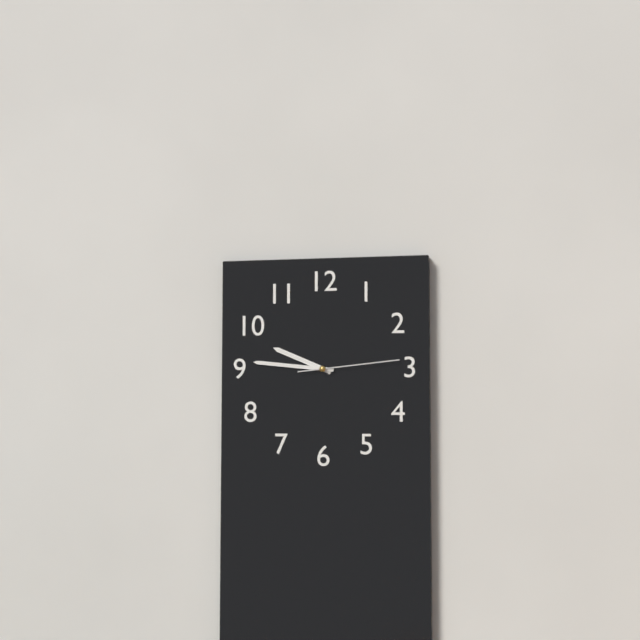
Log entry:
h=9 m=46 s=14
